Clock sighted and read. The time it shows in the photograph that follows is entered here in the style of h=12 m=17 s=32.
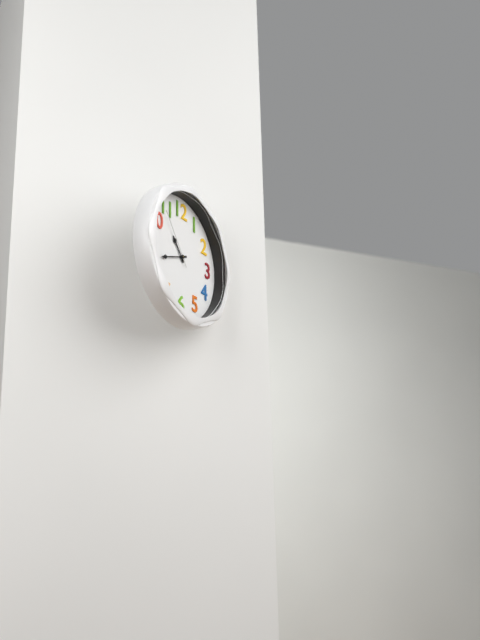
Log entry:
h=10 m=42 s=54
